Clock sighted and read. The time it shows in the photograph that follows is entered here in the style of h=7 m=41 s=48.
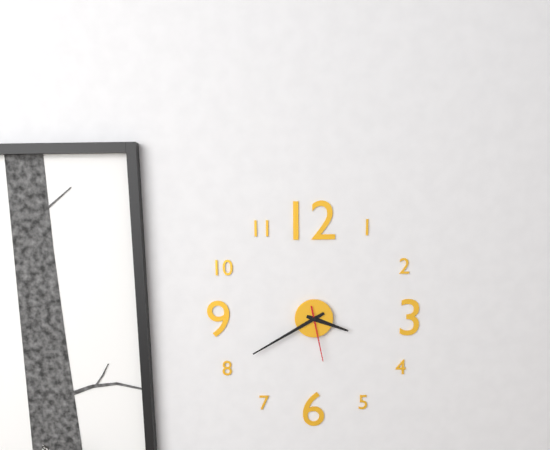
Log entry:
h=3 m=40 s=28
